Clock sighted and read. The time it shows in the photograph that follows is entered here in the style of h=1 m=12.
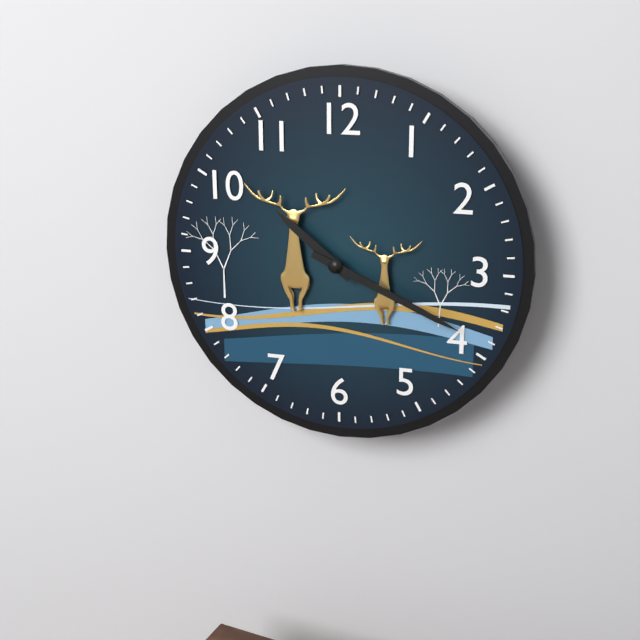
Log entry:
h=10 m=19
